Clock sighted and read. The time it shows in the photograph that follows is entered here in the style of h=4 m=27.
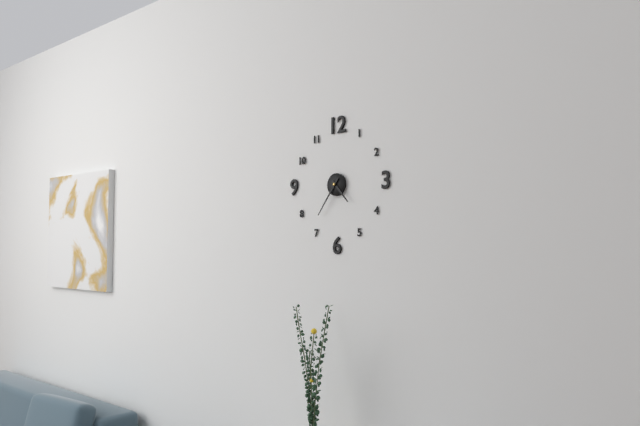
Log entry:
h=4 m=36
